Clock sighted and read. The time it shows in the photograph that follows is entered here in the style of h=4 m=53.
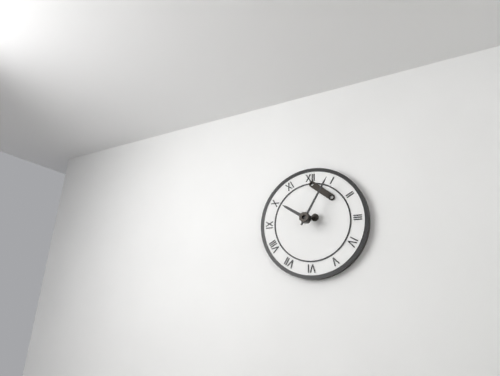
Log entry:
h=10 m=5
